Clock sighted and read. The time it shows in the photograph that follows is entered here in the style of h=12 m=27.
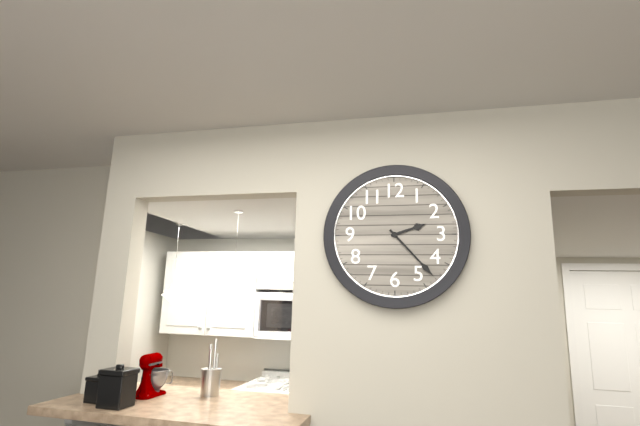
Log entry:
h=2 m=23
